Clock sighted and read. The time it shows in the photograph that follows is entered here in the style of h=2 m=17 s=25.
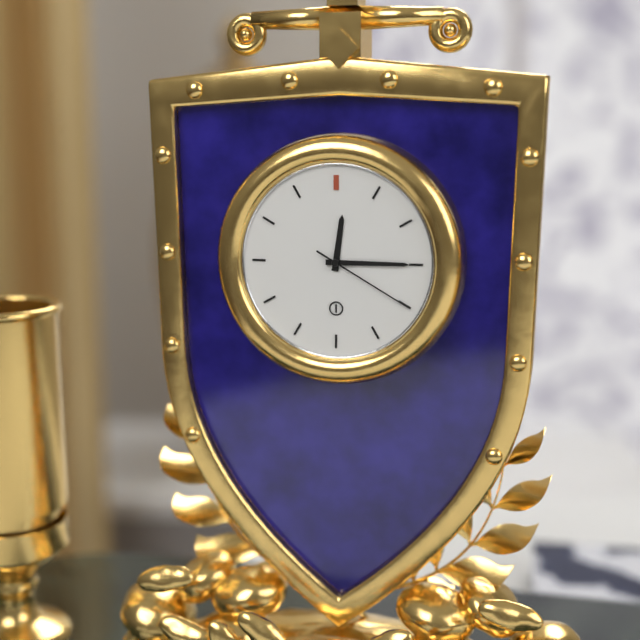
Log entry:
h=12 m=15 s=20
